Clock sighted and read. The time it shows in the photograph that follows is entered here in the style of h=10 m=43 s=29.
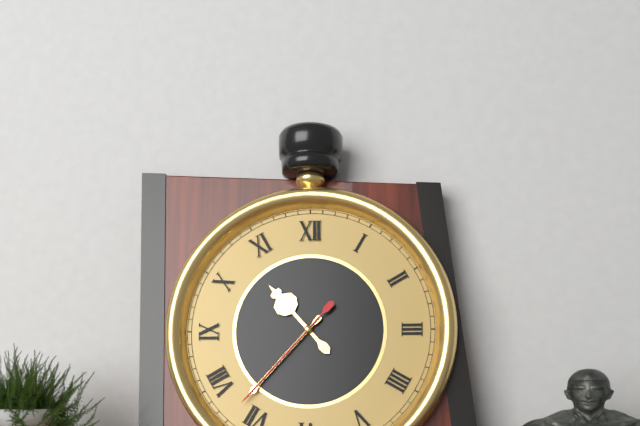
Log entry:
h=10 m=37 s=37
